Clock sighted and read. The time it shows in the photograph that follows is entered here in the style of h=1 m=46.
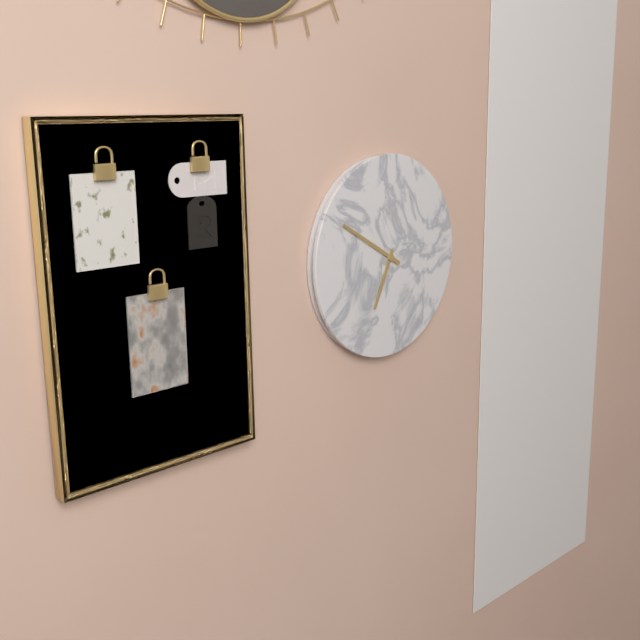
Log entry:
h=6 m=50
